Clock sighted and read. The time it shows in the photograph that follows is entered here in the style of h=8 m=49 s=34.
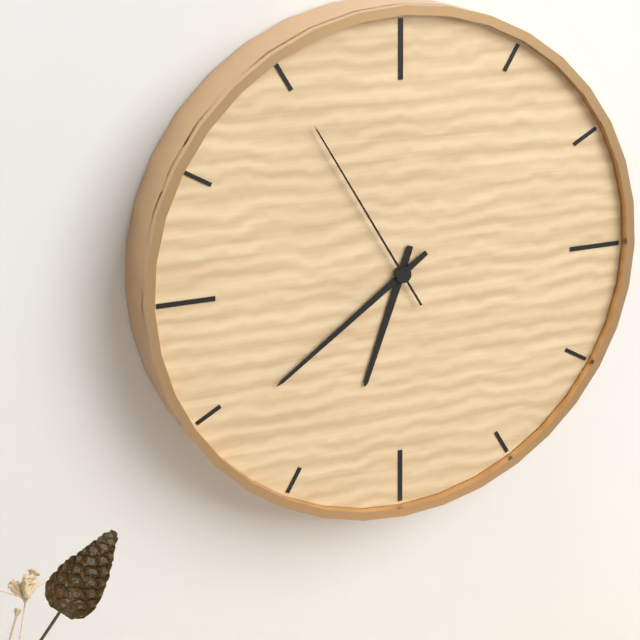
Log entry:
h=6 m=39 s=55
